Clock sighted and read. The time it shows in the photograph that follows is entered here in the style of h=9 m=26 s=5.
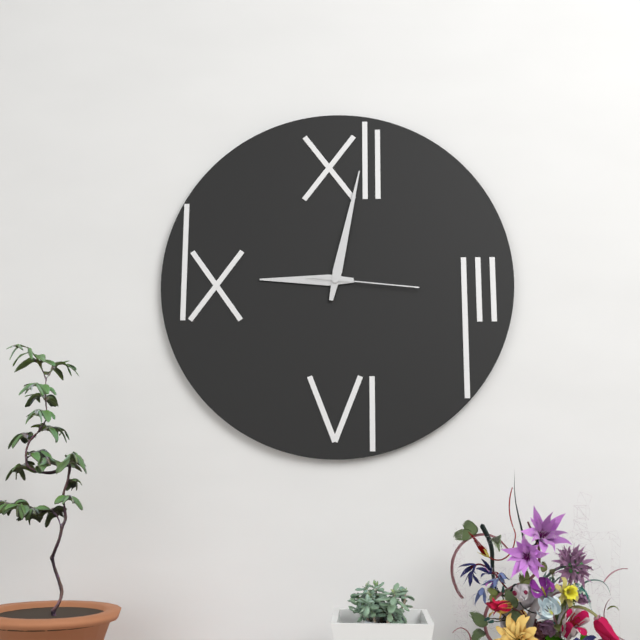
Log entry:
h=9 m=2 s=16
